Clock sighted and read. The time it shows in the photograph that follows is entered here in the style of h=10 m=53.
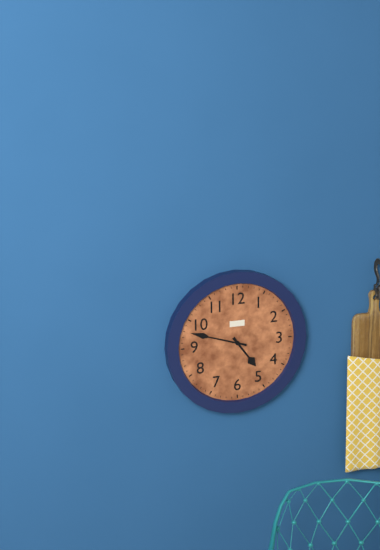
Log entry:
h=4 m=48
